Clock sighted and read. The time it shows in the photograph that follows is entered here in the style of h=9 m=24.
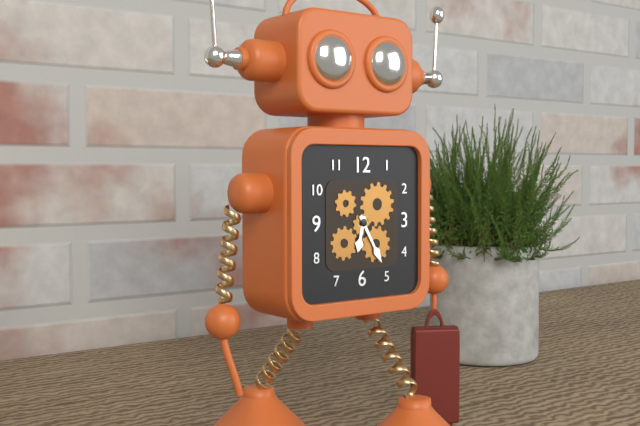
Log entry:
h=6 m=25
